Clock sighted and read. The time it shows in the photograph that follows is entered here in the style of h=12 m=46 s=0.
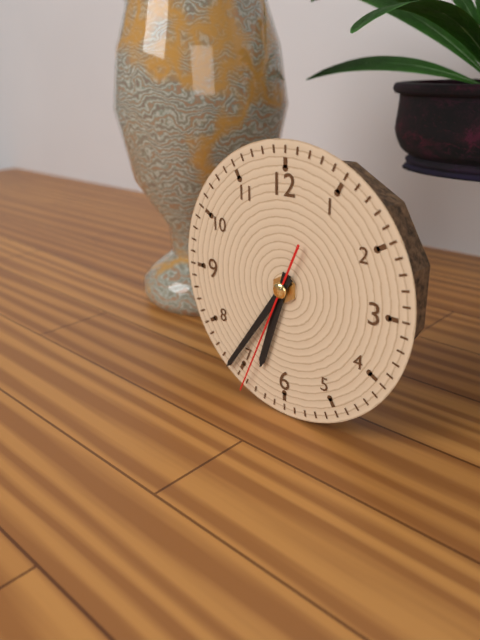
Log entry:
h=6 m=36 s=34
